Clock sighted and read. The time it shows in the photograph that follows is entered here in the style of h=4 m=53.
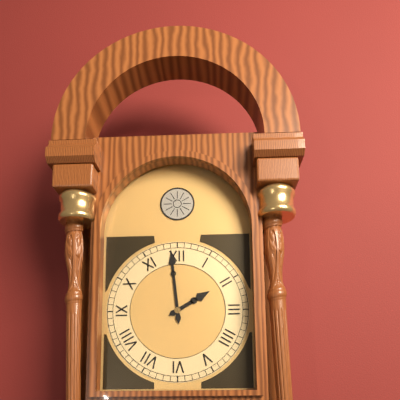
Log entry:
h=1 m=59
